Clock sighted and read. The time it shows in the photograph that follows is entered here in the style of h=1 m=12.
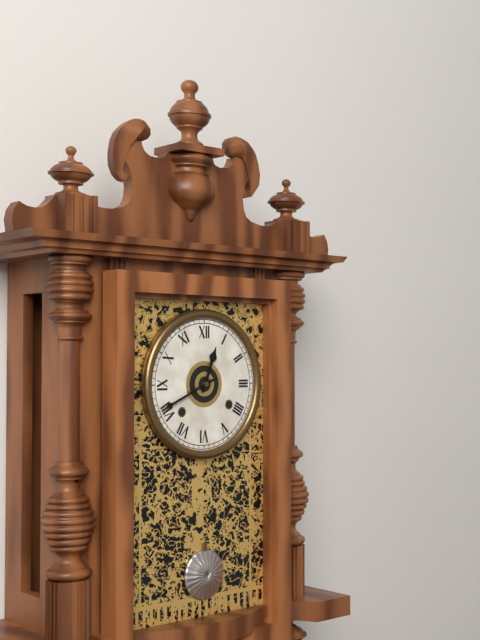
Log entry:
h=12 m=41
